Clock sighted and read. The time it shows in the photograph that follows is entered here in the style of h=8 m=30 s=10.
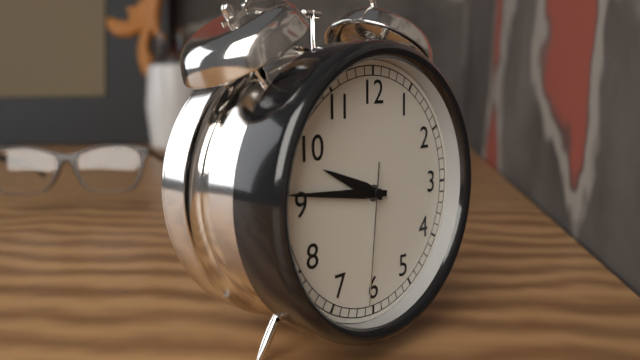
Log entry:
h=9 m=46 s=31
